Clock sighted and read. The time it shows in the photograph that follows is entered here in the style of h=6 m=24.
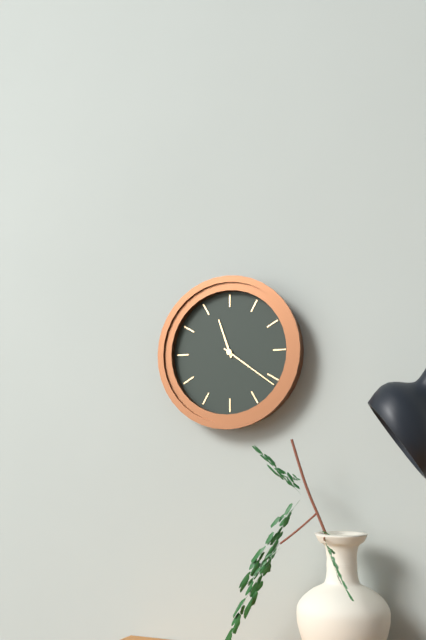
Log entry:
h=11 m=21
